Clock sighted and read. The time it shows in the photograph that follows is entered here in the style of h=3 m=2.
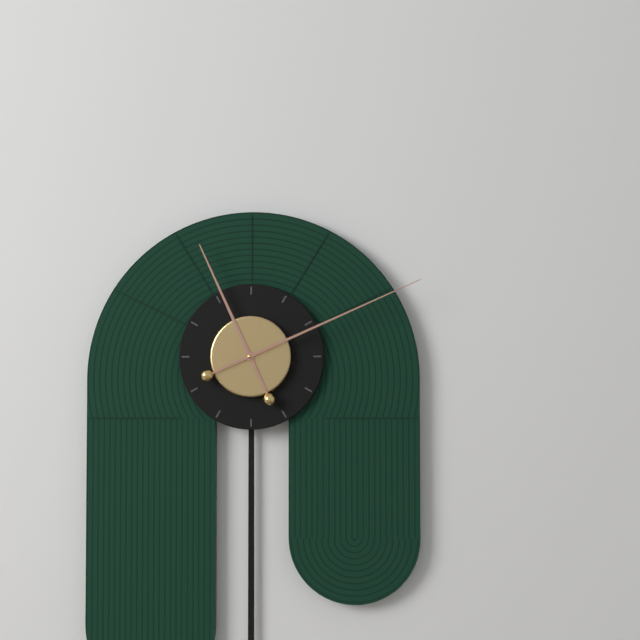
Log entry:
h=11 m=11
